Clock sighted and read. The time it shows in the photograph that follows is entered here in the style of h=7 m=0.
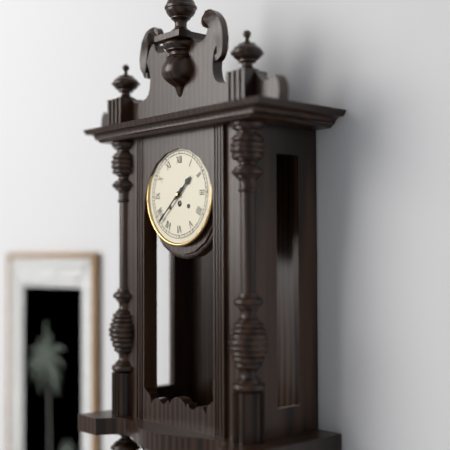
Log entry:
h=1 m=38
